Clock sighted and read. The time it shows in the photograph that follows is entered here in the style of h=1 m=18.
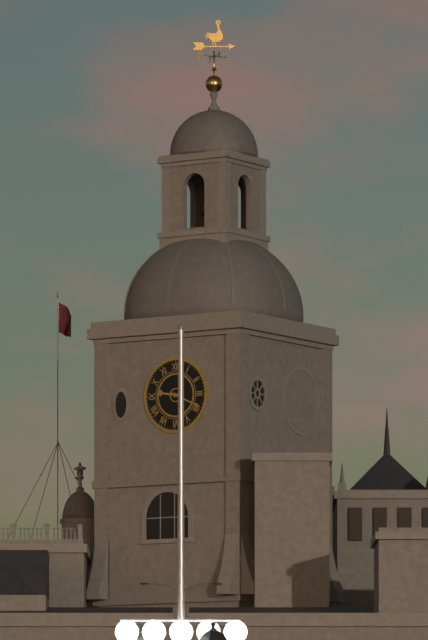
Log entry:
h=9 m=19
